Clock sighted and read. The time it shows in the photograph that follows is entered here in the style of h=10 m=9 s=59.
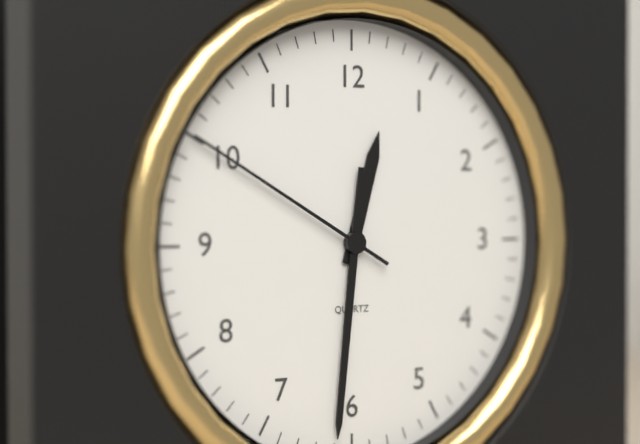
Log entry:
h=12 m=31 s=50
